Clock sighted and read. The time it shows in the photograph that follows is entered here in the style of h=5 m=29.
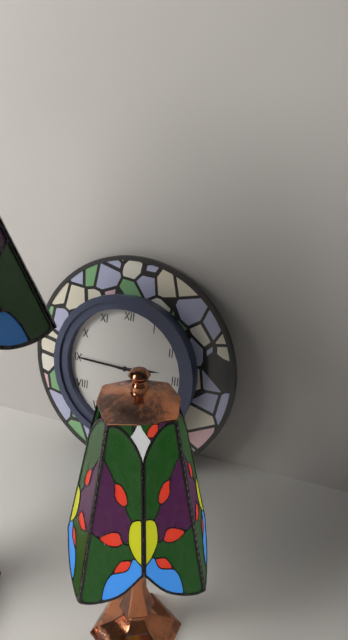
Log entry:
h=2 m=45
